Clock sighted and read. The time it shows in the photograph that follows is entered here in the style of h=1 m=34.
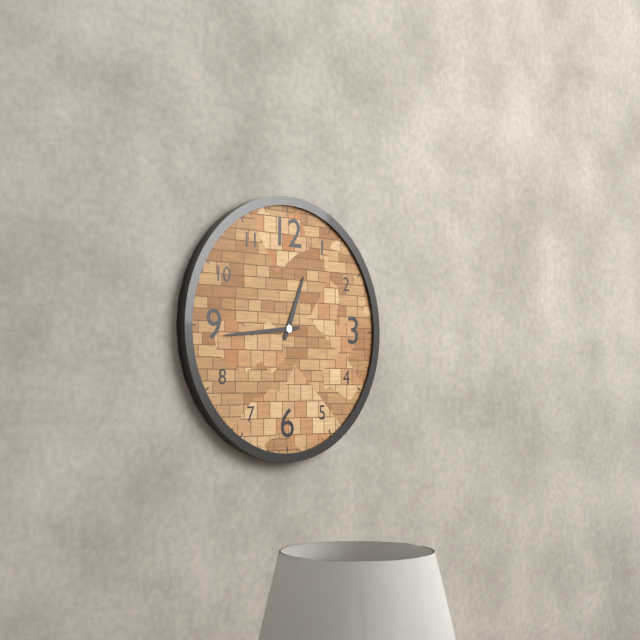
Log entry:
h=12 m=44
